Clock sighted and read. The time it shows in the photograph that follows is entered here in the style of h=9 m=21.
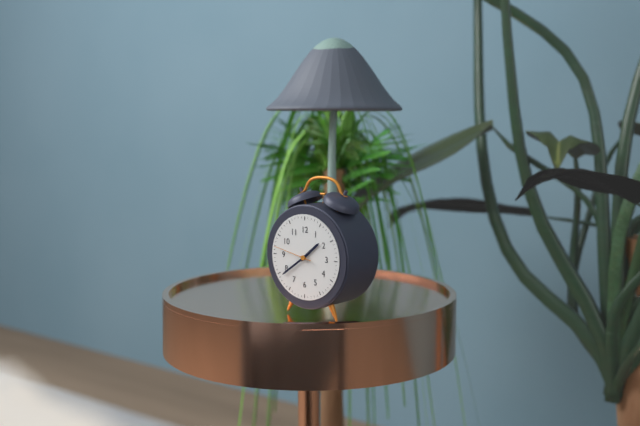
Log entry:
h=1 m=39
